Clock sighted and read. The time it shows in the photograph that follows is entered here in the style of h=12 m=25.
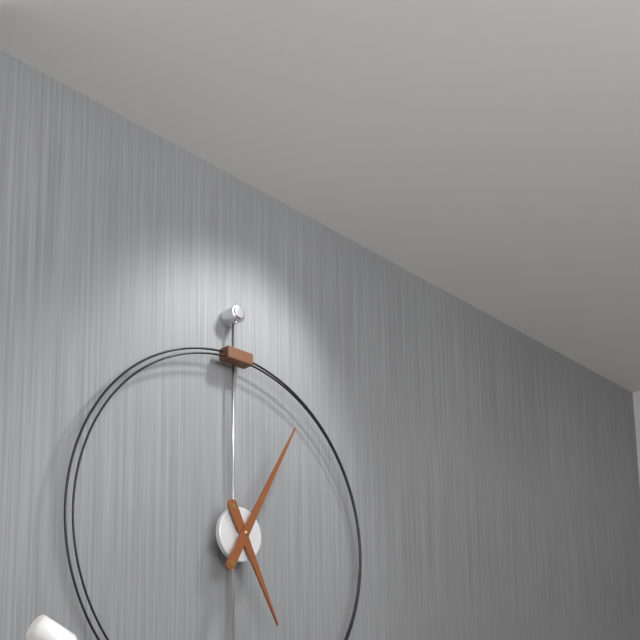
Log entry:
h=5 m=5
